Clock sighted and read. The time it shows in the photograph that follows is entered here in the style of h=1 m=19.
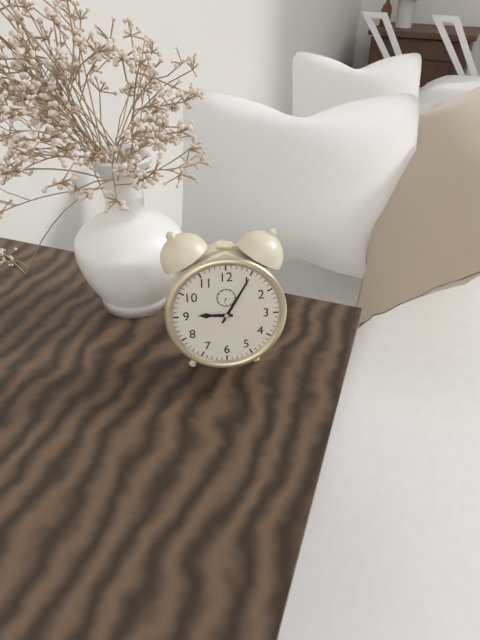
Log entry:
h=9 m=5
